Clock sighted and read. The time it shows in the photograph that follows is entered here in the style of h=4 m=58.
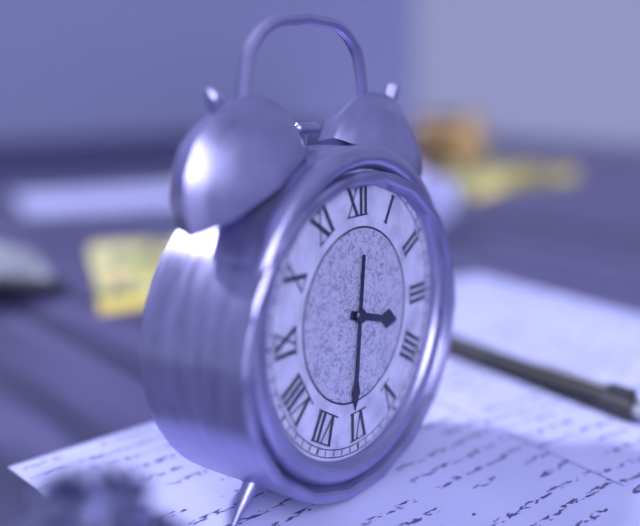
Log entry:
h=3 m=31
